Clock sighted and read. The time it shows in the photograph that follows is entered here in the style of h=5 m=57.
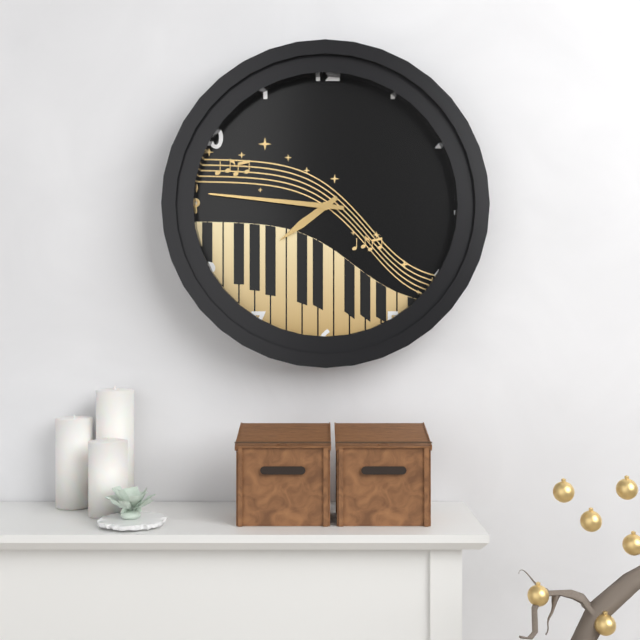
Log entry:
h=7 m=46
